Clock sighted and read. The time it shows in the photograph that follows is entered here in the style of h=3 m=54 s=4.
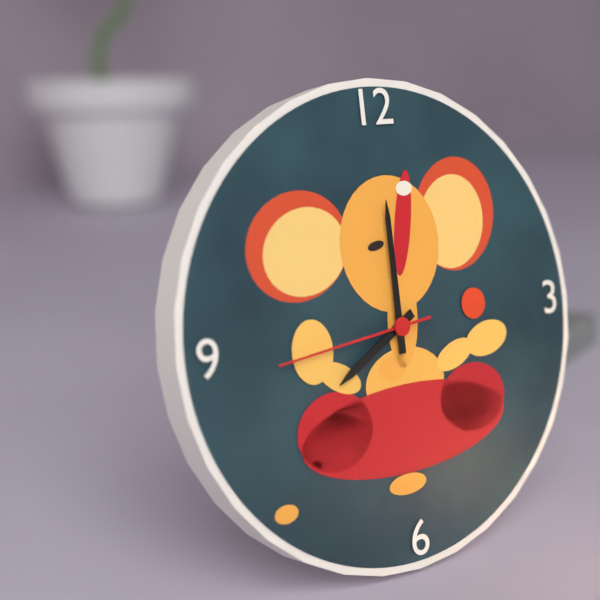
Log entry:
h=8 m=0 s=44
